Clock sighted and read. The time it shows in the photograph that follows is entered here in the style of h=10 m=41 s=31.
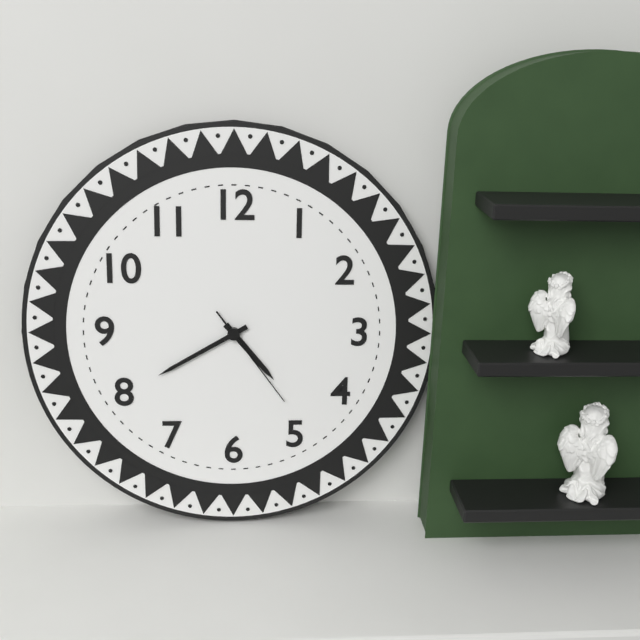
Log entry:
h=4 m=40 s=24
